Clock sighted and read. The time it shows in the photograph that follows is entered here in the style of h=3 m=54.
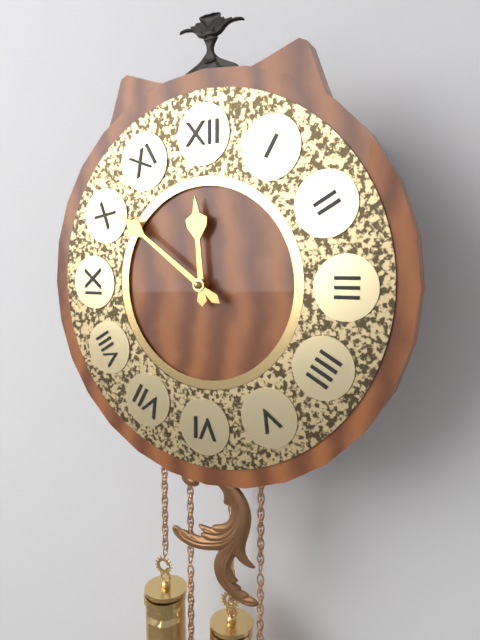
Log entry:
h=11 m=51
